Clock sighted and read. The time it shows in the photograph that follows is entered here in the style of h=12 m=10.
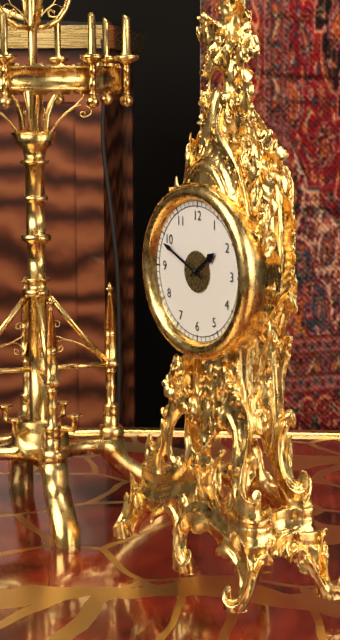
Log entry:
h=1 m=49
